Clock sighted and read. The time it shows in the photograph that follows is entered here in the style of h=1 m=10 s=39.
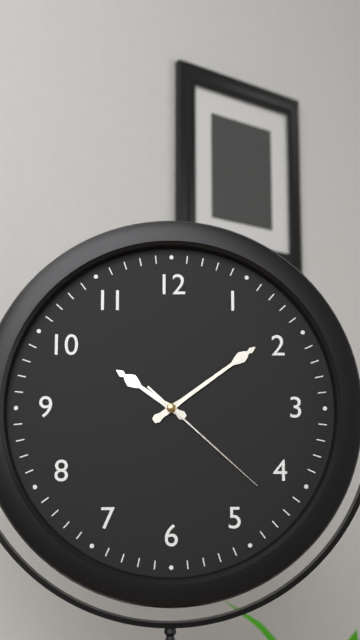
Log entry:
h=10 m=9 s=22
